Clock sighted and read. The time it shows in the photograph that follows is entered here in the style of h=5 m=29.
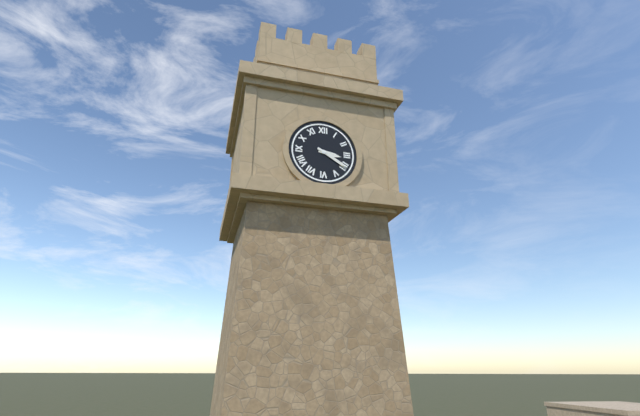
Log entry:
h=3 m=20
